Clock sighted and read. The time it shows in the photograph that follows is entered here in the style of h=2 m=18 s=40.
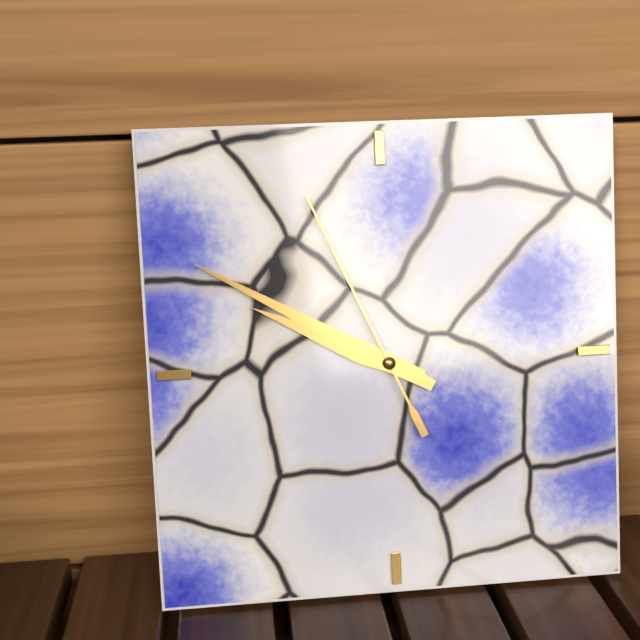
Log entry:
h=9 m=50 s=56
